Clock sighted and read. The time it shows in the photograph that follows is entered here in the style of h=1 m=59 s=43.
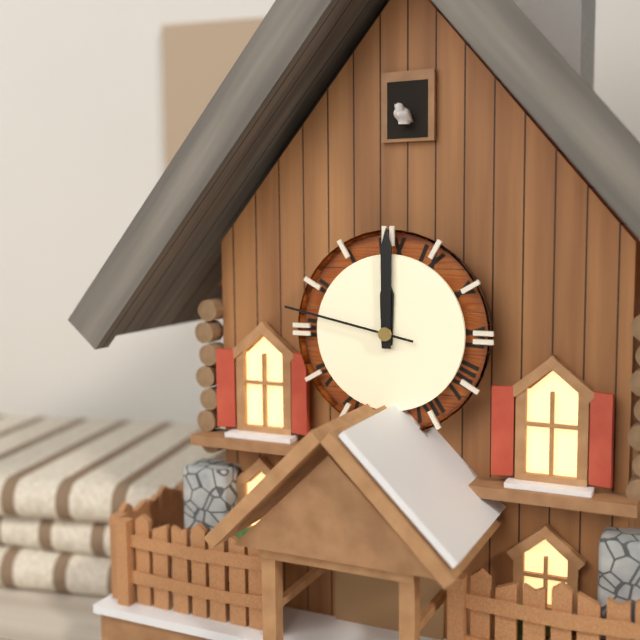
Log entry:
h=12 m=0 s=47
